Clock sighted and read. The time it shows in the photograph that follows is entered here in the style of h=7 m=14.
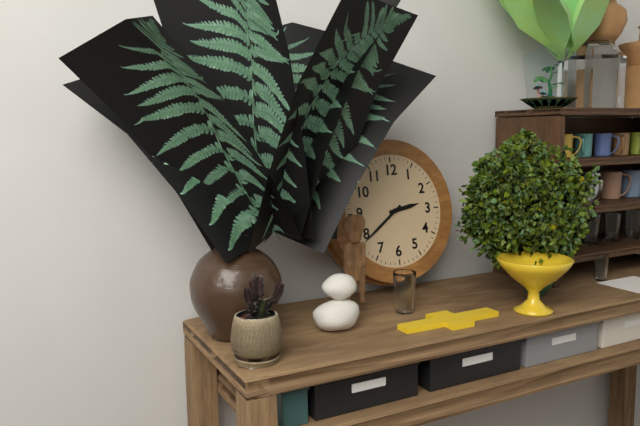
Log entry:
h=2 m=39
